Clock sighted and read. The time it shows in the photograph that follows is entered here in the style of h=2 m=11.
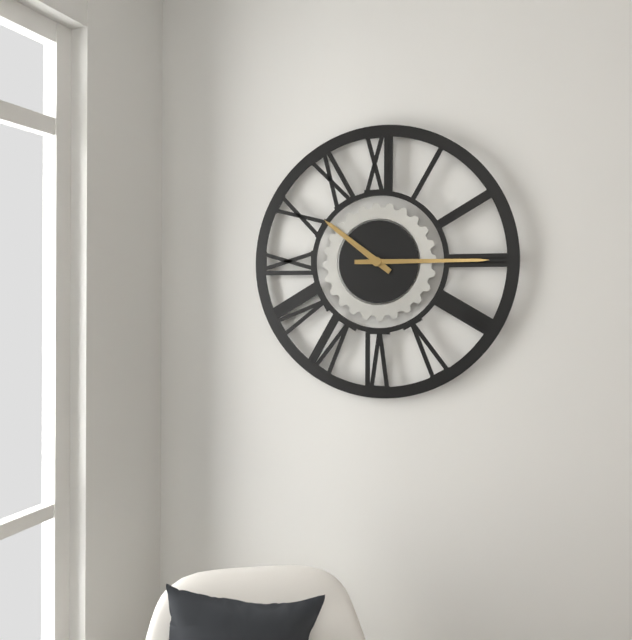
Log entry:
h=10 m=15
